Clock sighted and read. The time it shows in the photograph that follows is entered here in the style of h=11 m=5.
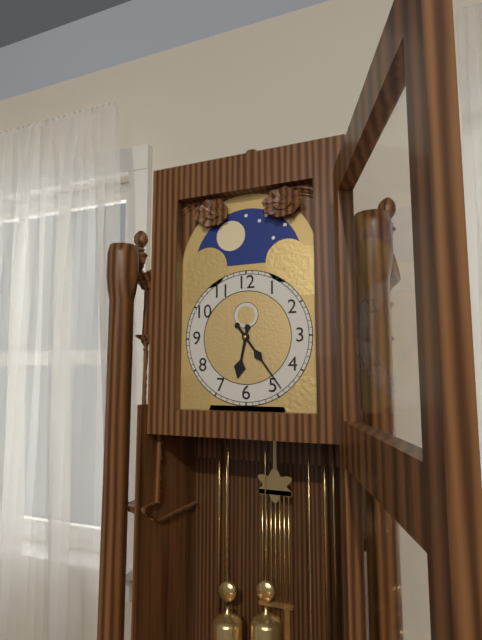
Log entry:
h=6 m=24
